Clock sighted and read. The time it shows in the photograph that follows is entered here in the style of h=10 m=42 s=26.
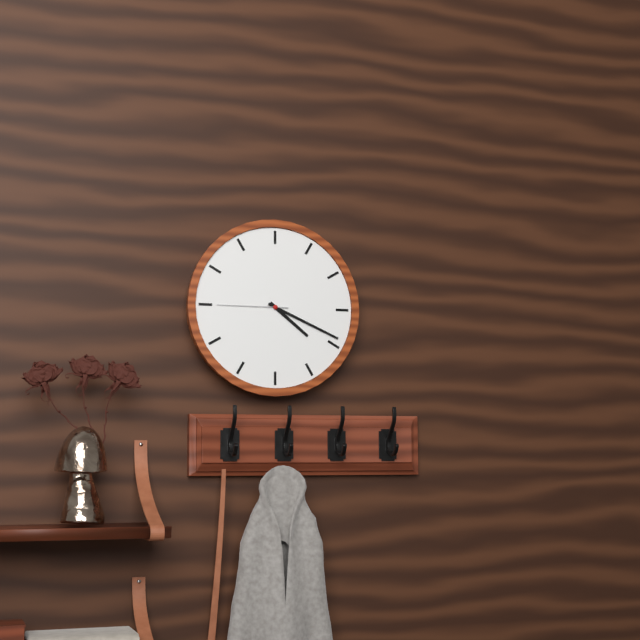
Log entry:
h=4 m=19 s=45
